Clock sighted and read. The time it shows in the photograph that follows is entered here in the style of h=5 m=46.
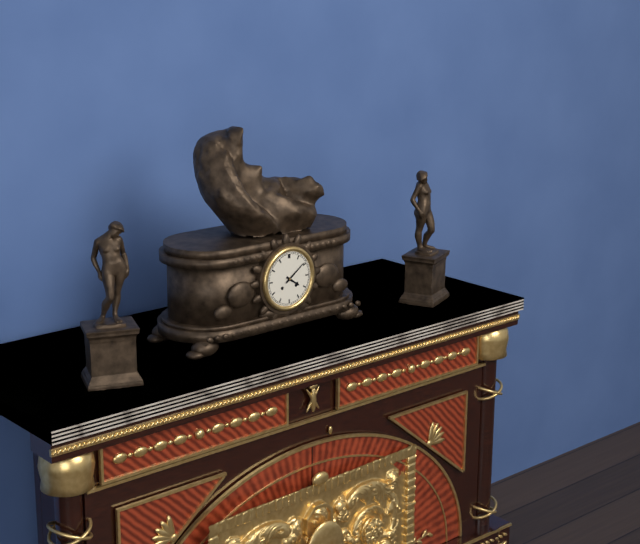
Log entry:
h=4 m=9
